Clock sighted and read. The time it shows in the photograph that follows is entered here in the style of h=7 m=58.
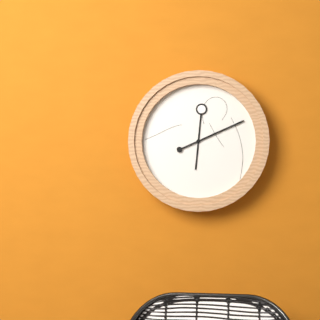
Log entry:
h=6 m=11
